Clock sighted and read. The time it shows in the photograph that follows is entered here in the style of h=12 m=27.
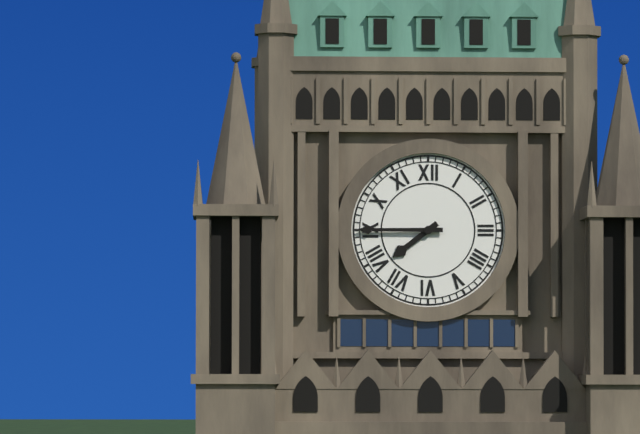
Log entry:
h=7 m=45
